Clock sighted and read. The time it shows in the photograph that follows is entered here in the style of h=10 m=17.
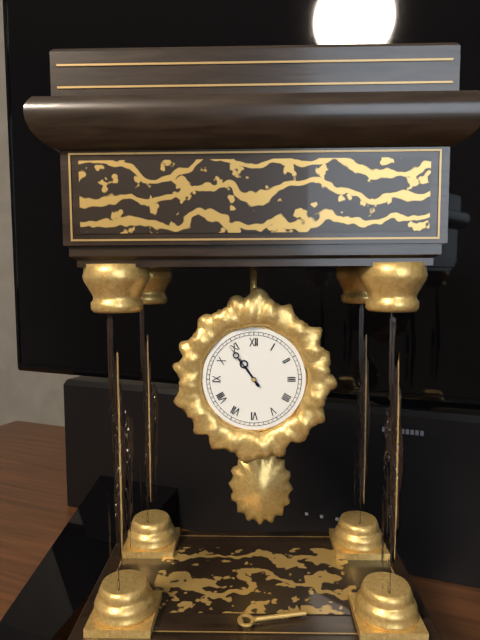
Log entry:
h=10 m=54
